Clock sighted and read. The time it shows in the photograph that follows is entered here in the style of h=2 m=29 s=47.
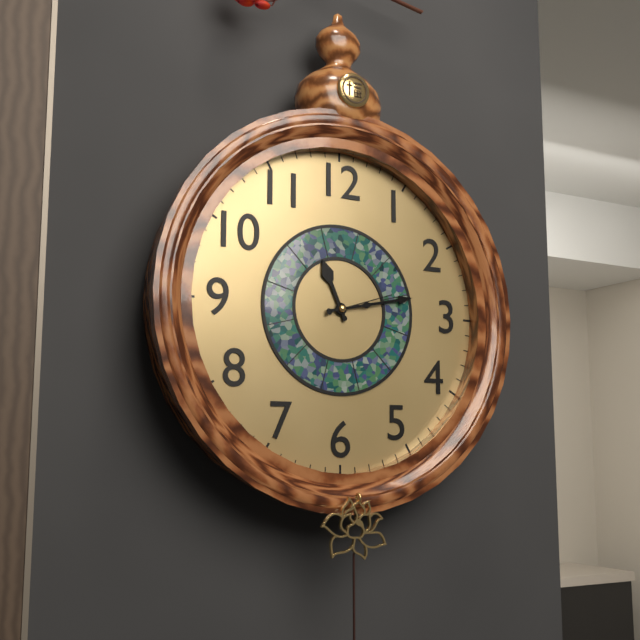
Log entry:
h=11 m=13 s=12
